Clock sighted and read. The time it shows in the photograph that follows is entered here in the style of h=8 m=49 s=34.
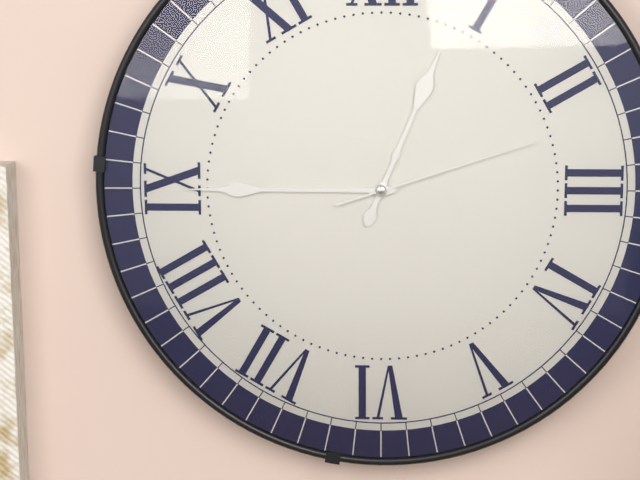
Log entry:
h=12 m=45 s=12
